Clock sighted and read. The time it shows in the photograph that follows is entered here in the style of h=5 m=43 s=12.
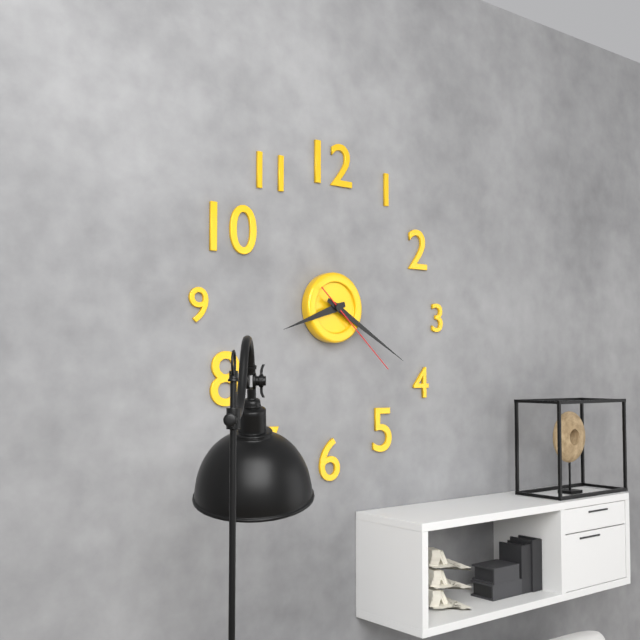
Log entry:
h=8 m=20 s=22
